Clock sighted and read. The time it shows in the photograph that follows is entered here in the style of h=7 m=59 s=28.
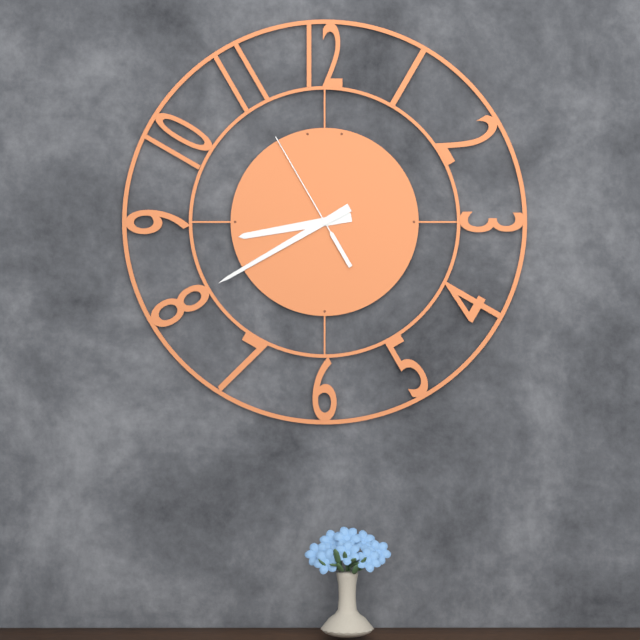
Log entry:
h=8 m=40 s=55
